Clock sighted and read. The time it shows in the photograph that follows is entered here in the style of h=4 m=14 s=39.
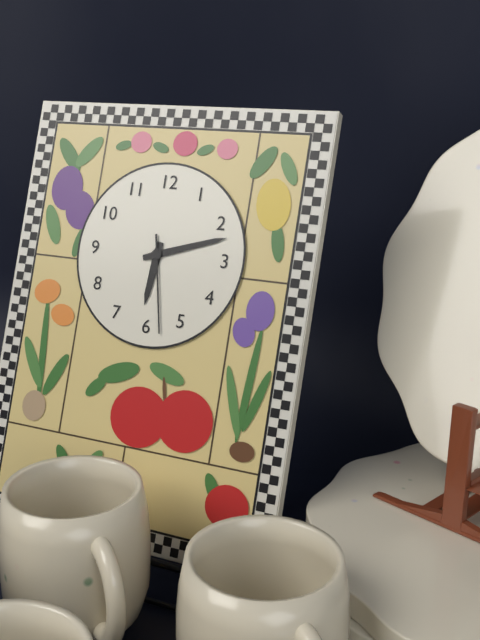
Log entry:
h=6 m=12 s=28
